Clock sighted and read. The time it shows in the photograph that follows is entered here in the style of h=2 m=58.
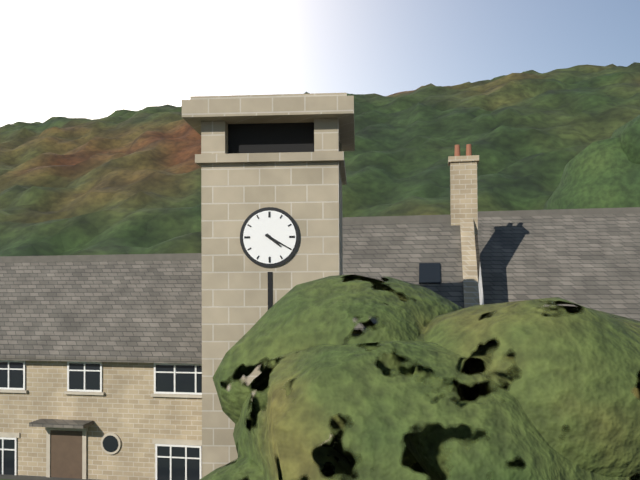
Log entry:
h=4 m=20
